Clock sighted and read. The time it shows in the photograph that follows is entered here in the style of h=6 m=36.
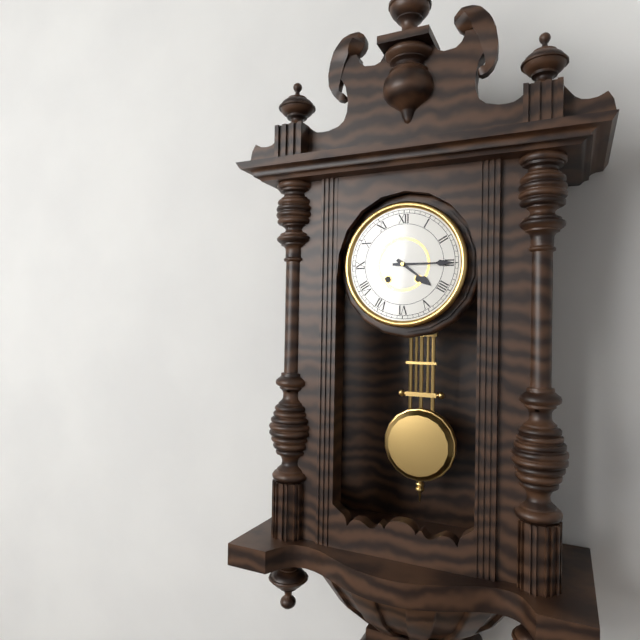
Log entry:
h=4 m=15
